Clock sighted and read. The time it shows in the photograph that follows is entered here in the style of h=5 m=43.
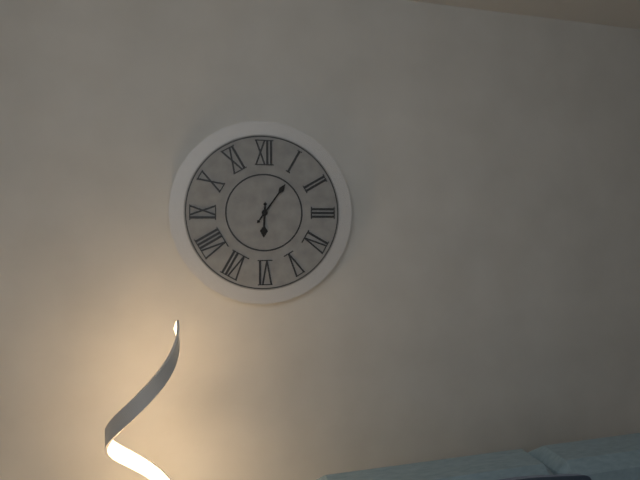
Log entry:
h=6 m=6
